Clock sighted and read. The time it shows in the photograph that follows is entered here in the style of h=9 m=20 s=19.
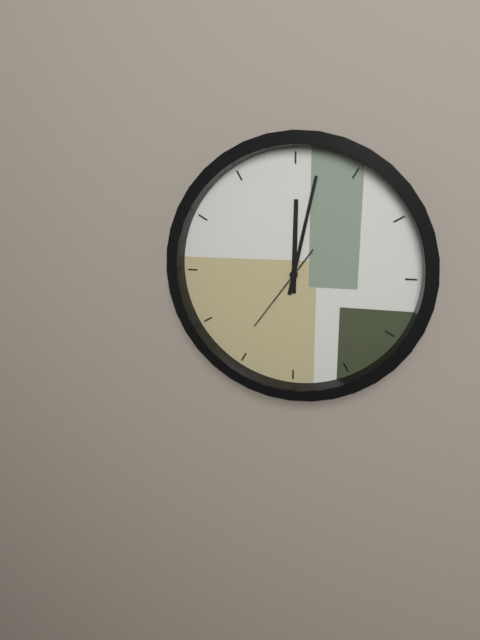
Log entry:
h=12 m=2 s=36
